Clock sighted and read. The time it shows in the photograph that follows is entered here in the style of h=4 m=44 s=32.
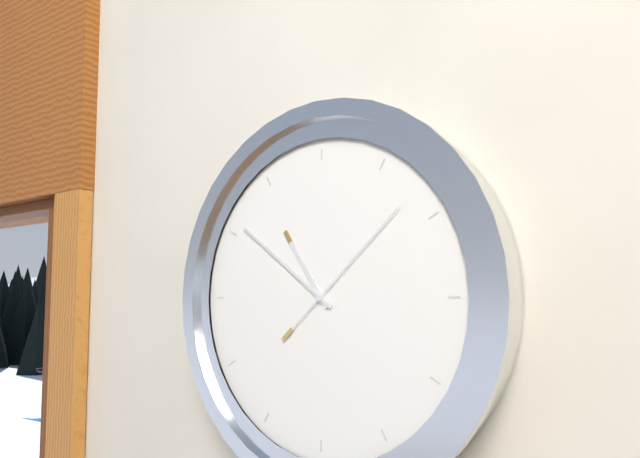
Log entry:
h=10 m=51 s=8
